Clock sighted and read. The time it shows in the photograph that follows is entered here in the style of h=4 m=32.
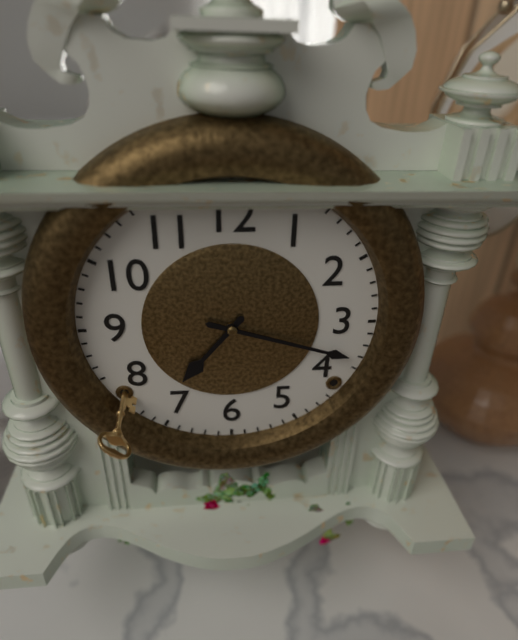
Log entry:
h=7 m=18
